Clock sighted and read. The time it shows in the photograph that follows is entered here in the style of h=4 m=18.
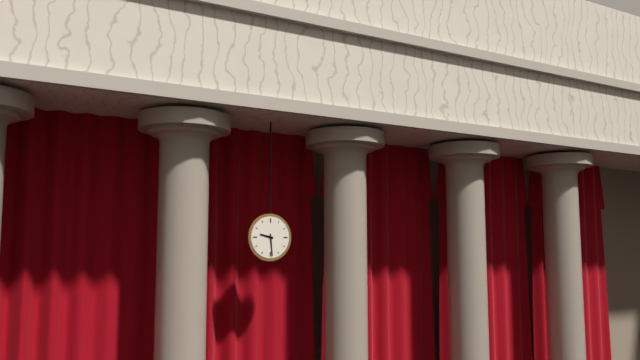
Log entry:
h=9 m=29
